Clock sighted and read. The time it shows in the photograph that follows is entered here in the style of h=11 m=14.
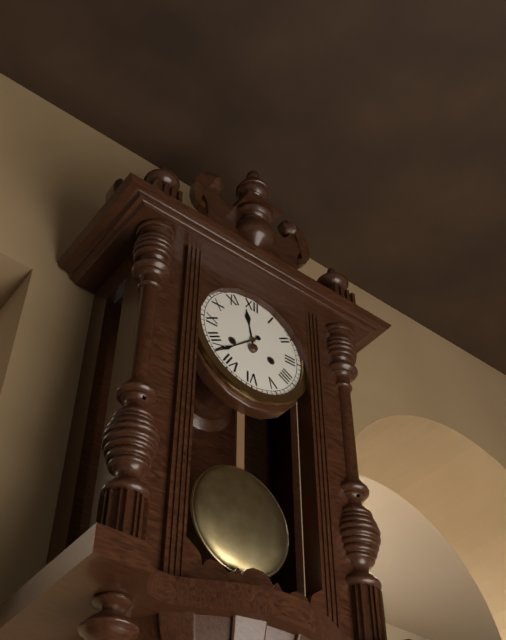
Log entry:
h=11 m=38
